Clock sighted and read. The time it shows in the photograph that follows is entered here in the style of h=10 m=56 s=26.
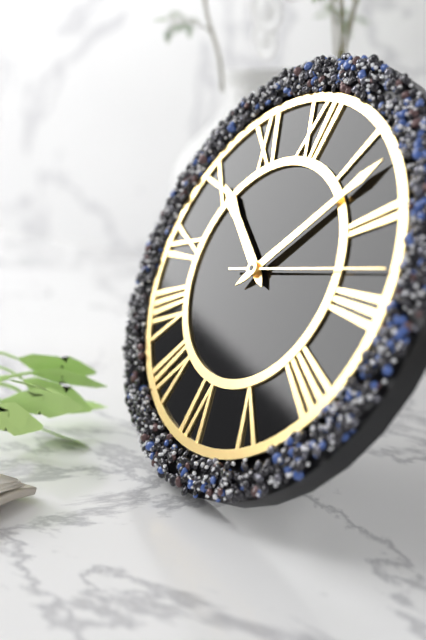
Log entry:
h=10 m=7 s=13
